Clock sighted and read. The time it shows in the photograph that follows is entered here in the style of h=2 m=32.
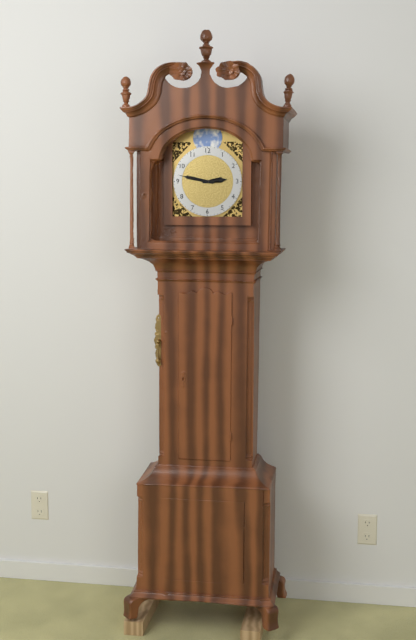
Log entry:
h=2 m=47
